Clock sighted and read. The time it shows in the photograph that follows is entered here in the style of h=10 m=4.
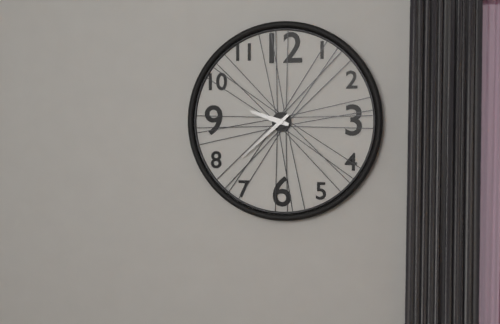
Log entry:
h=9 m=38
